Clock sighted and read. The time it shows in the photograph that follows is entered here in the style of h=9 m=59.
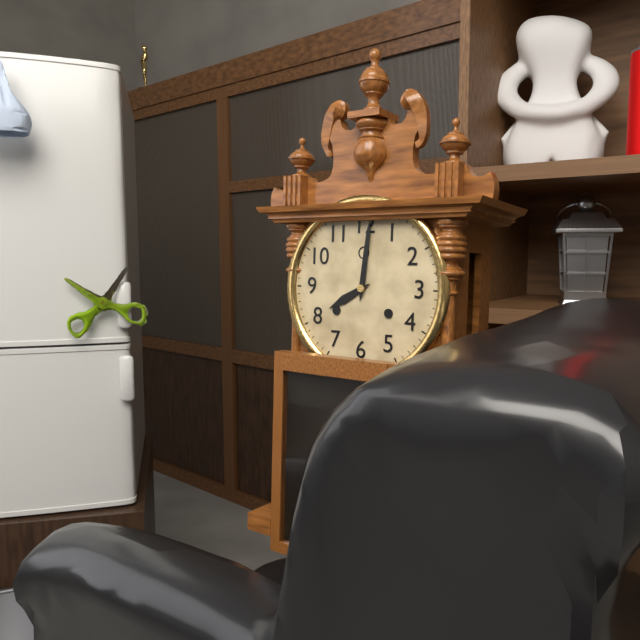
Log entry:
h=8 m=1
